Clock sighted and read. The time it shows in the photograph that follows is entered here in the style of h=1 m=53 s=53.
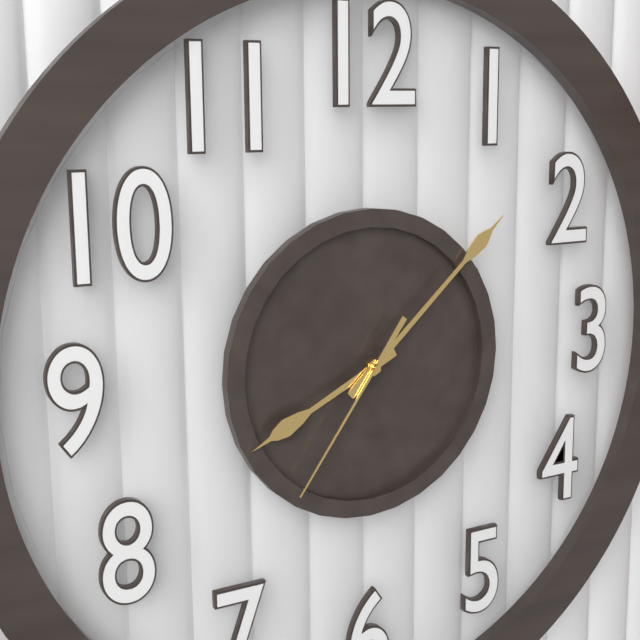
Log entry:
h=8 m=8 s=36
